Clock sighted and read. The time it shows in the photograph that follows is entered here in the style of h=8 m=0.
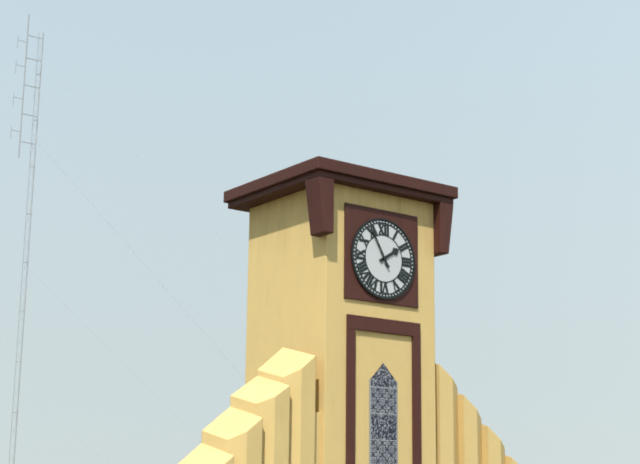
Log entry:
h=1 m=55
